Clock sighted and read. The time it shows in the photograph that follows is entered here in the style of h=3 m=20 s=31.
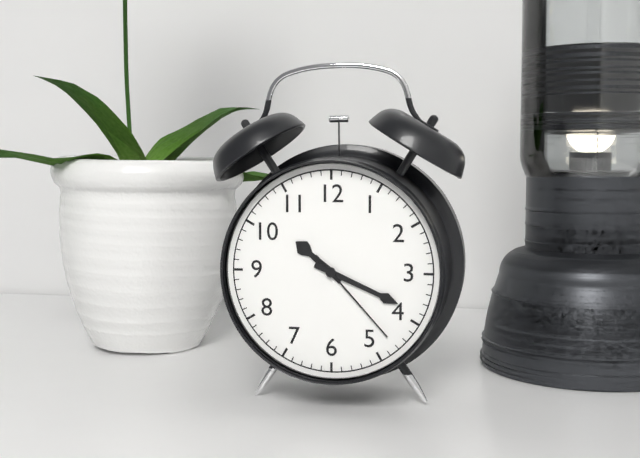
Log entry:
h=10 m=19 s=23
